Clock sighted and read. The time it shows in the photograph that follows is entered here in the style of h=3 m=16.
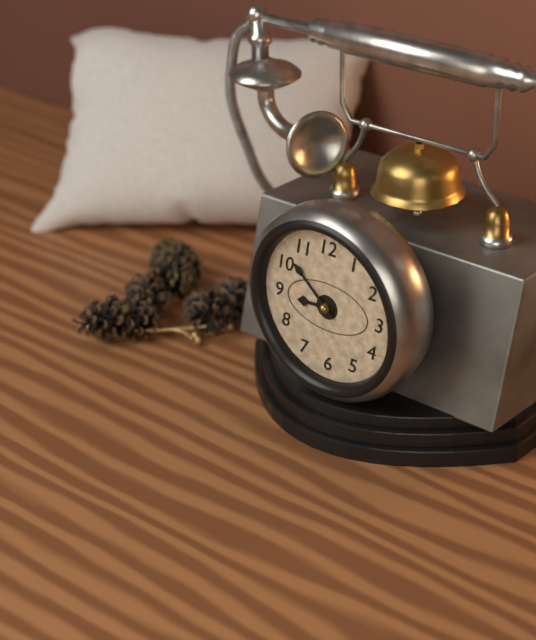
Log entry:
h=8 m=52
